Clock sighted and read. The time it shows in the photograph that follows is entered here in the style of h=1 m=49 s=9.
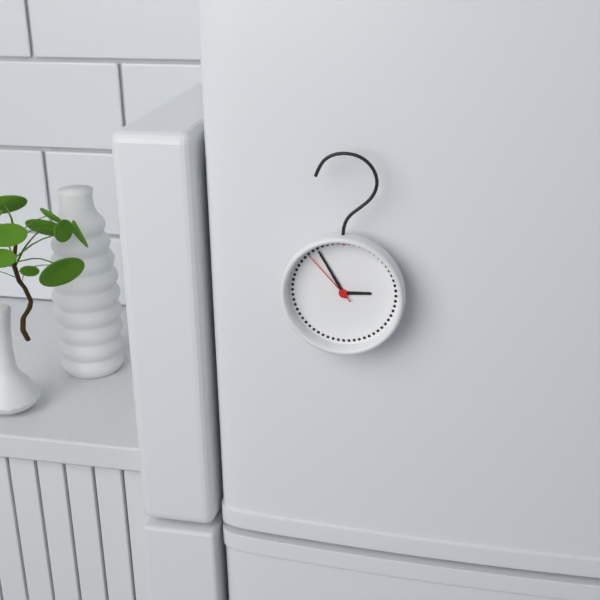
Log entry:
h=2 m=55 s=53
